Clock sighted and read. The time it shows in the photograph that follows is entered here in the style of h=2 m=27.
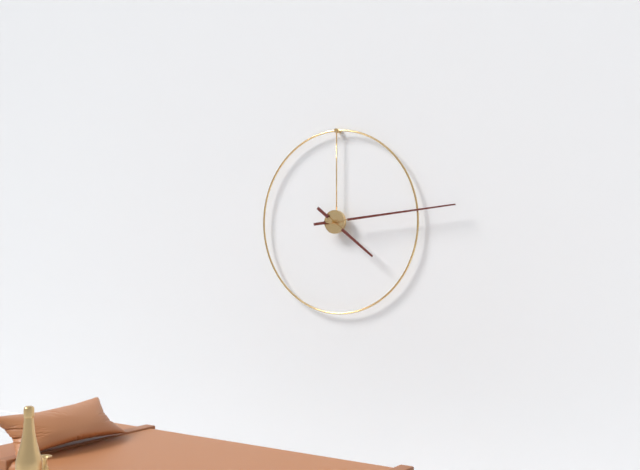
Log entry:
h=4 m=14
